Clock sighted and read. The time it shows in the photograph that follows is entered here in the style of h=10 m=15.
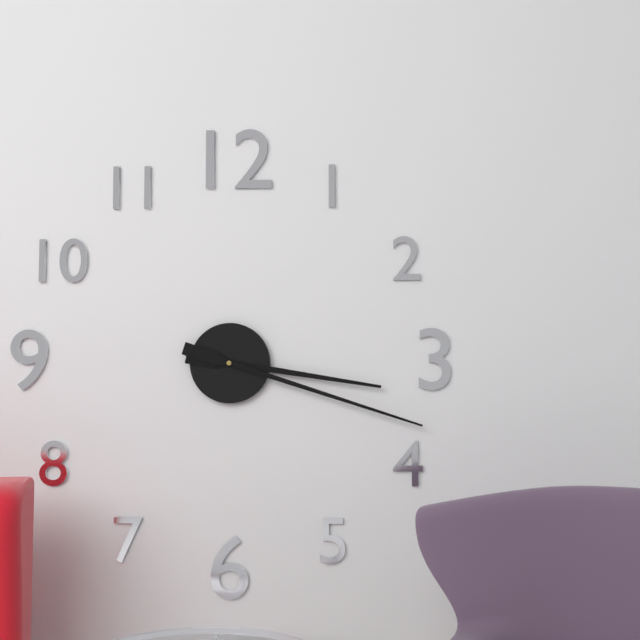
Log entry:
h=3 m=18
